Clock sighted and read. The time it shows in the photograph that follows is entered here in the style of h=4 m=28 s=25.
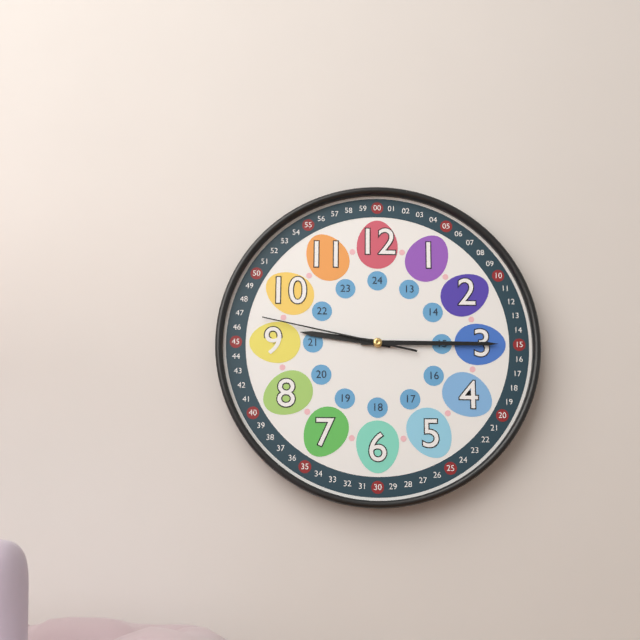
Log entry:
h=9 m=15 s=47
